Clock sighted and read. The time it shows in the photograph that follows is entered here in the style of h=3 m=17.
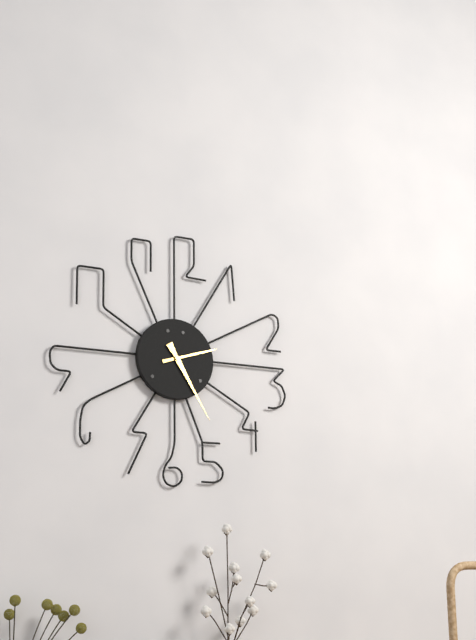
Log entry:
h=2 m=25
